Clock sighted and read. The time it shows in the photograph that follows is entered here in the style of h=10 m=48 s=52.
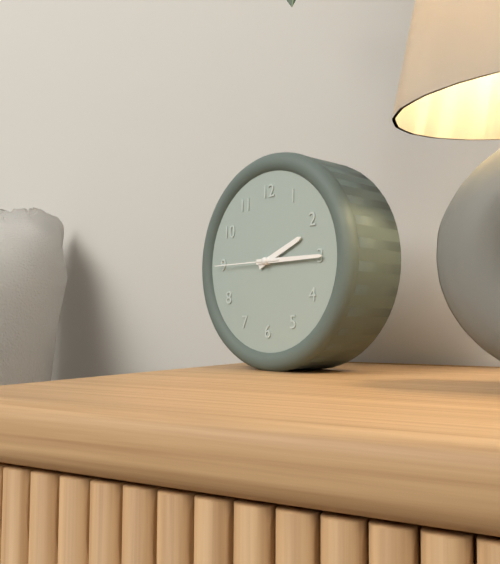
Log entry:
h=2 m=15 s=45
